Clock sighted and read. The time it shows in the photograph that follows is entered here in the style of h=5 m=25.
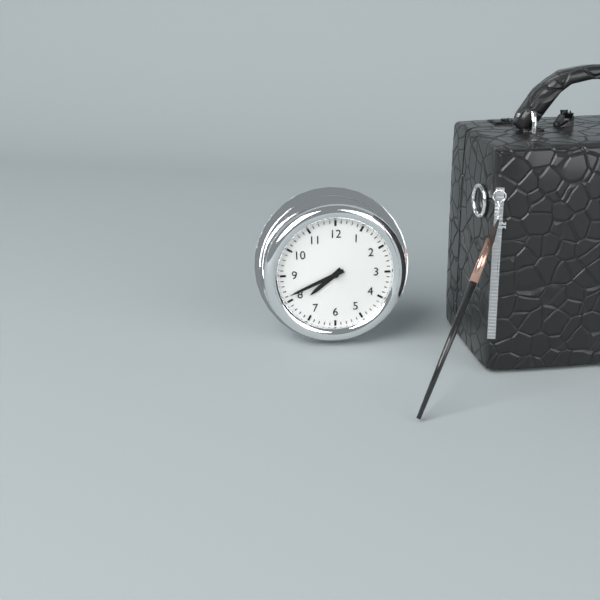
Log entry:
h=7 m=41
